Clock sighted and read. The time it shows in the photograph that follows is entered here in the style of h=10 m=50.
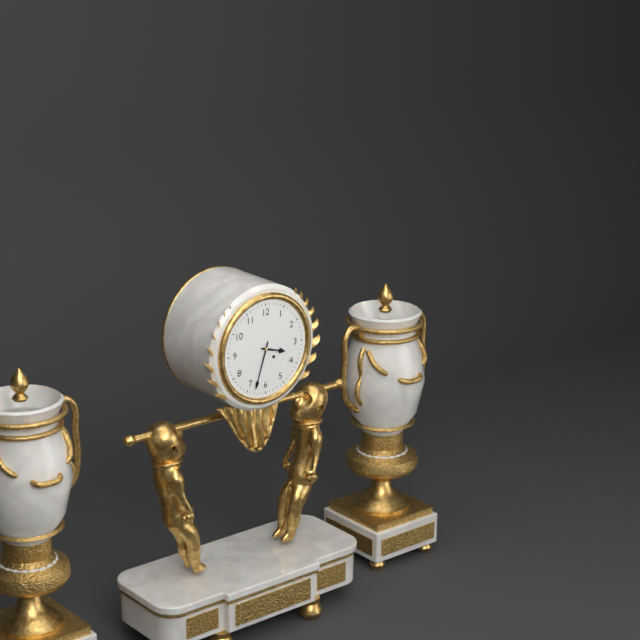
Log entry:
h=3 m=33
